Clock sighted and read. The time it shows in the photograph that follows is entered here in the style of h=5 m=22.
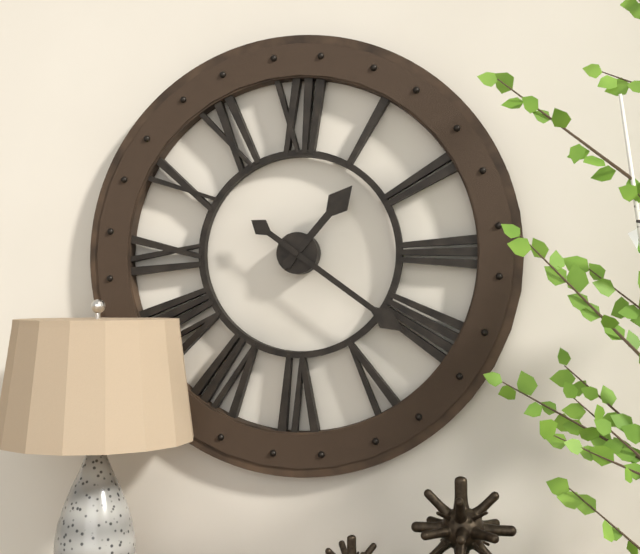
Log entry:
h=1 m=21
